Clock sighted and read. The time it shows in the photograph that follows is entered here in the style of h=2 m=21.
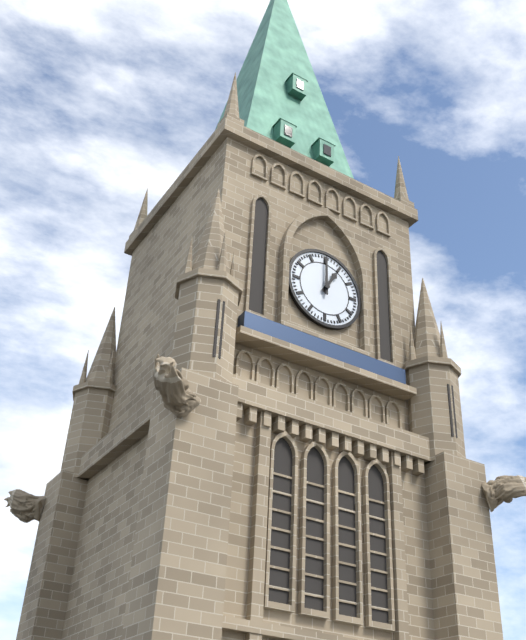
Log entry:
h=1 m=0
